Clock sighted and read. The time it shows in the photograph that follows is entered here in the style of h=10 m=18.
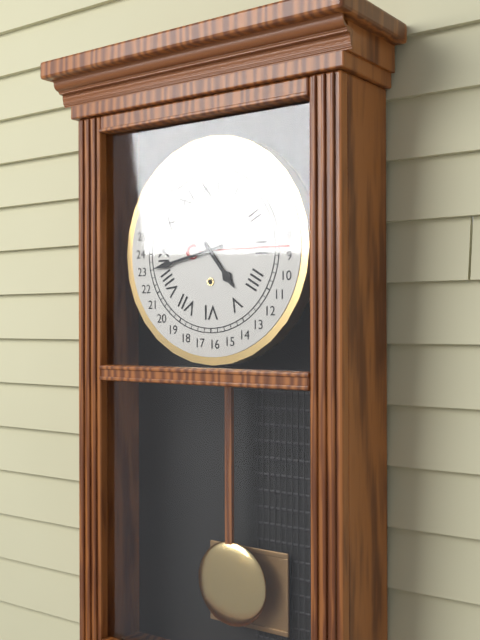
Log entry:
h=4 m=43
